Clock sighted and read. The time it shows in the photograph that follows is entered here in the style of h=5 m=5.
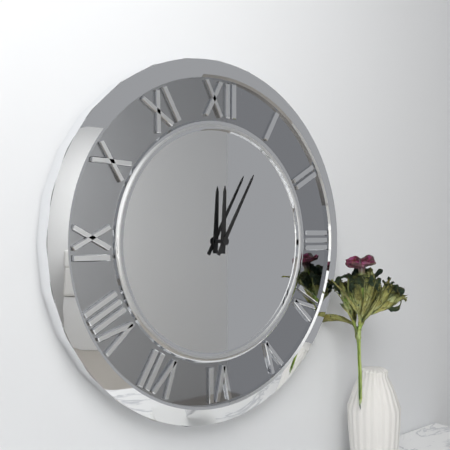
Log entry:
h=12 m=5
